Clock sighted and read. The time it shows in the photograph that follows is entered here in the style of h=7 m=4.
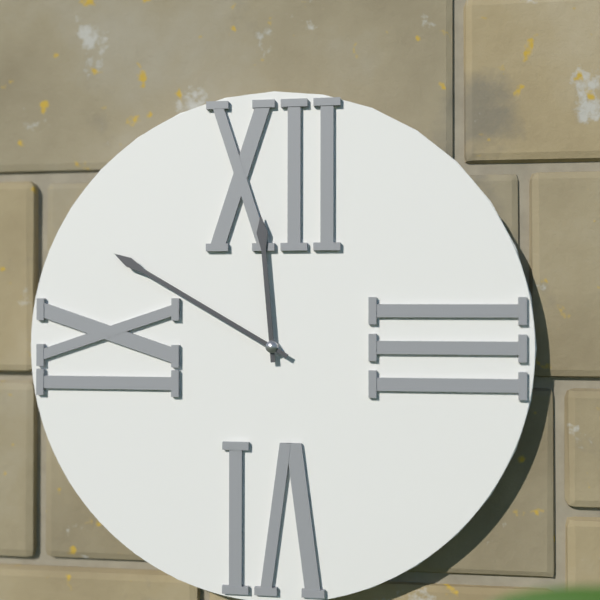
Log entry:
h=11 m=50
